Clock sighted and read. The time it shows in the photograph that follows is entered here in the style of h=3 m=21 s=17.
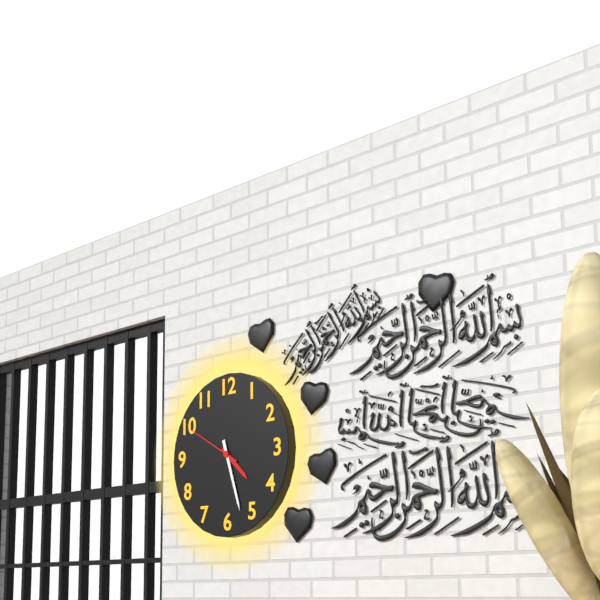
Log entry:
h=4 m=27 s=50
